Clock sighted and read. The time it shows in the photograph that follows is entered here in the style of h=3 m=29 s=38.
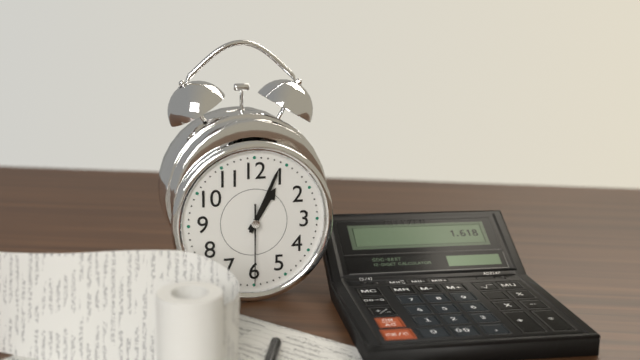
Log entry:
h=1 m=4 s=30
